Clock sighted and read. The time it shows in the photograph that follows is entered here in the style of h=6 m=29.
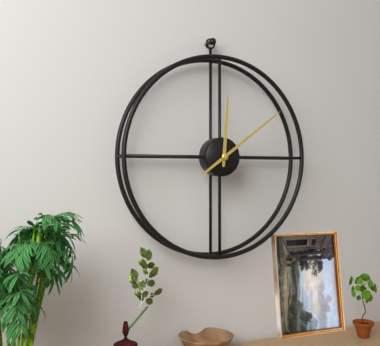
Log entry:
h=12 m=9
